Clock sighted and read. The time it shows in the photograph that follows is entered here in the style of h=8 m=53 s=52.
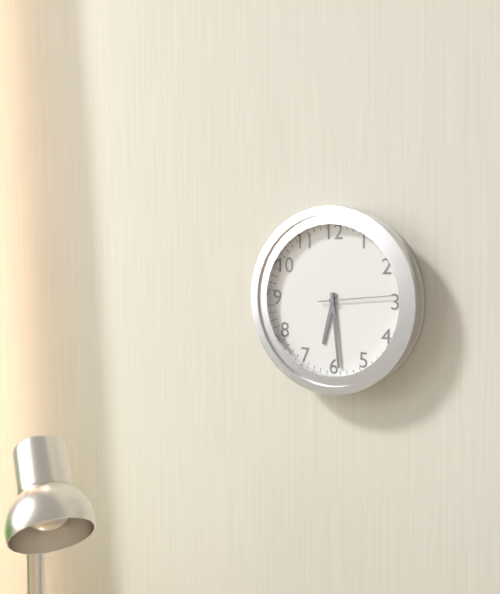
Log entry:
h=6 m=29 s=14
